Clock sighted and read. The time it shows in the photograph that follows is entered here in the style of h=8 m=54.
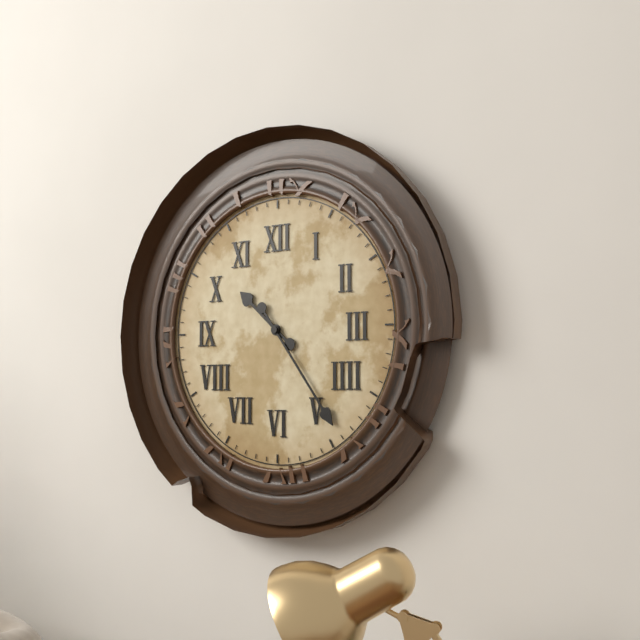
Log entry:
h=10 m=24
